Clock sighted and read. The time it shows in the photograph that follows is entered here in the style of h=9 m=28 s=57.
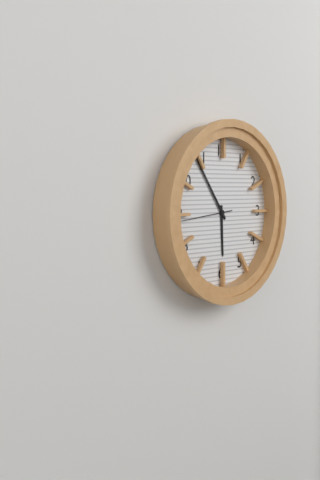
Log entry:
h=5 m=54 s=44
